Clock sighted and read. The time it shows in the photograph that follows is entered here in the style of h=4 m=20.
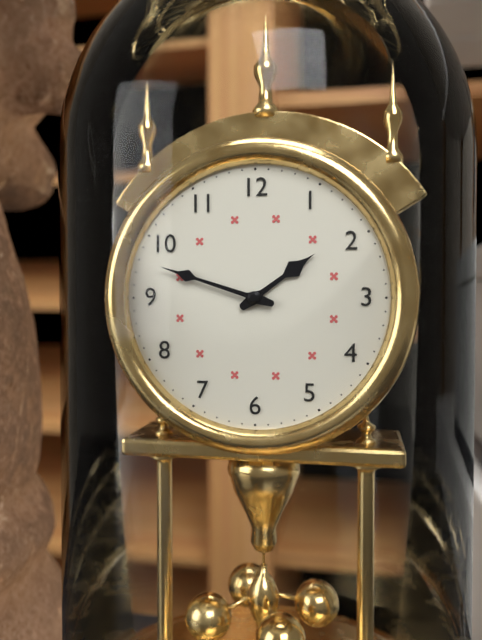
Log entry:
h=1 m=48
